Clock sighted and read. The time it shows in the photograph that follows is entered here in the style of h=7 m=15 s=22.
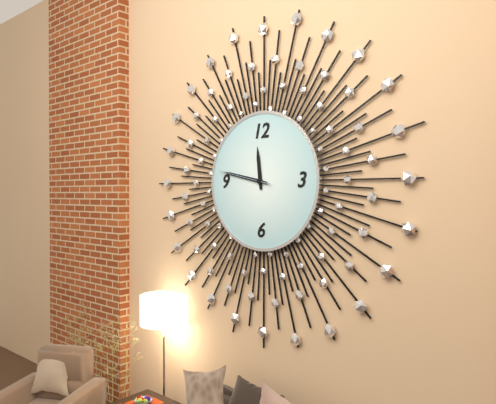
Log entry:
h=11 m=47 s=47
